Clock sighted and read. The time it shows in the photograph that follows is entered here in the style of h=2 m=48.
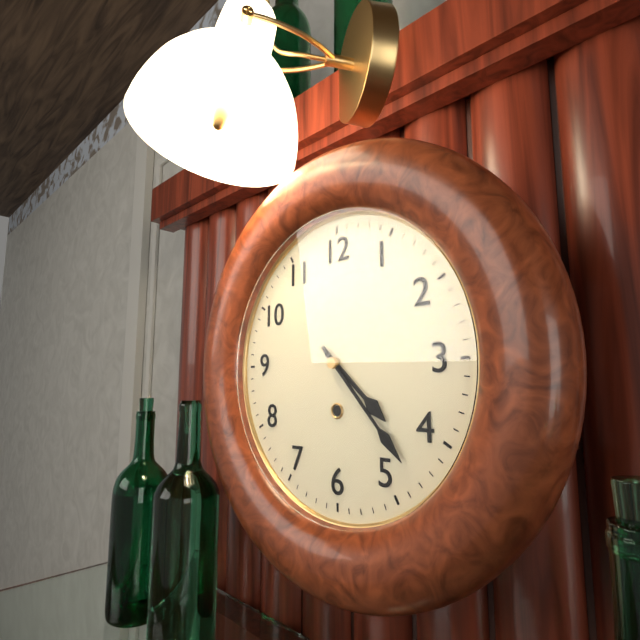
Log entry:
h=4 m=23
